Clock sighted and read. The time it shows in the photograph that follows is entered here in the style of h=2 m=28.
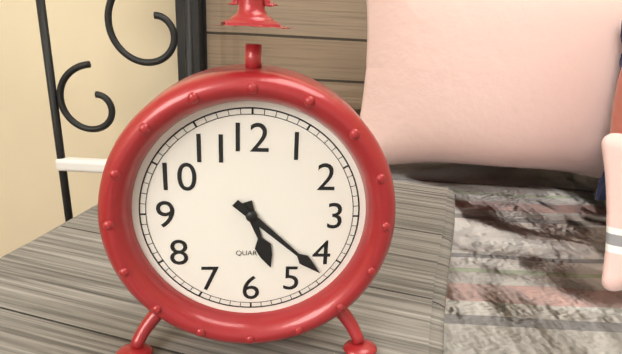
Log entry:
h=5 m=22
